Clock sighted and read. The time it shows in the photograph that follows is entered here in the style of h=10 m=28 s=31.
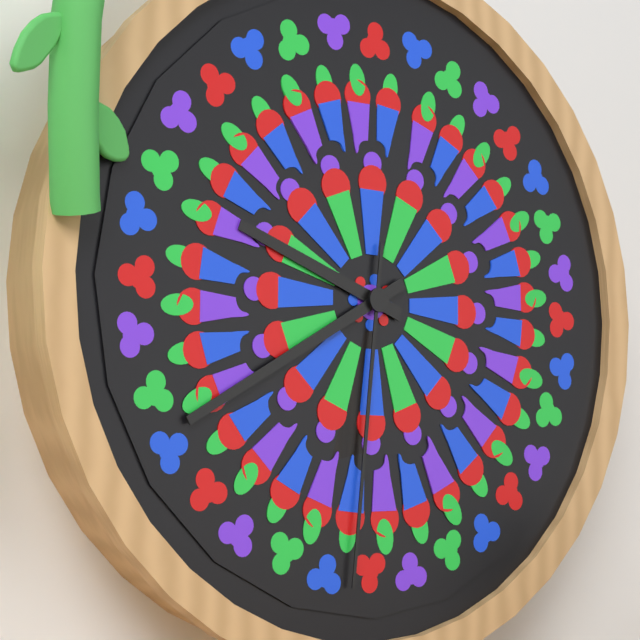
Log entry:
h=9 m=40 s=31
